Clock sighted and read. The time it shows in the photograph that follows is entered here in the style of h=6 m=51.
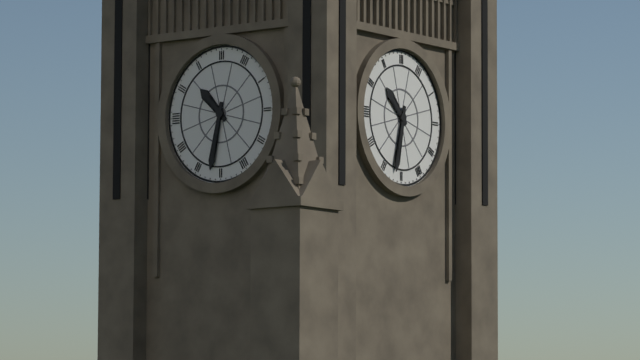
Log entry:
h=10 m=32
